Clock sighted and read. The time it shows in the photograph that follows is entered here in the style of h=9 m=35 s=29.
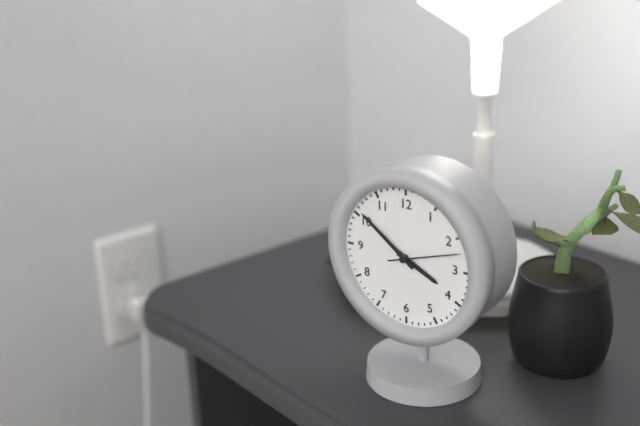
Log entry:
h=3 m=51 s=12
